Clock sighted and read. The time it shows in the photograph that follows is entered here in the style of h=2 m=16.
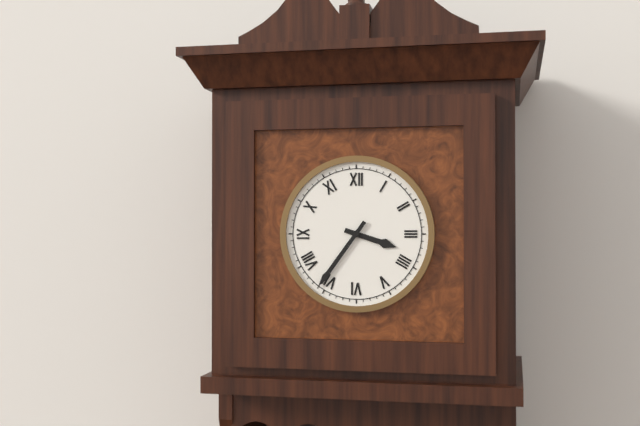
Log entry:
h=3 m=36
